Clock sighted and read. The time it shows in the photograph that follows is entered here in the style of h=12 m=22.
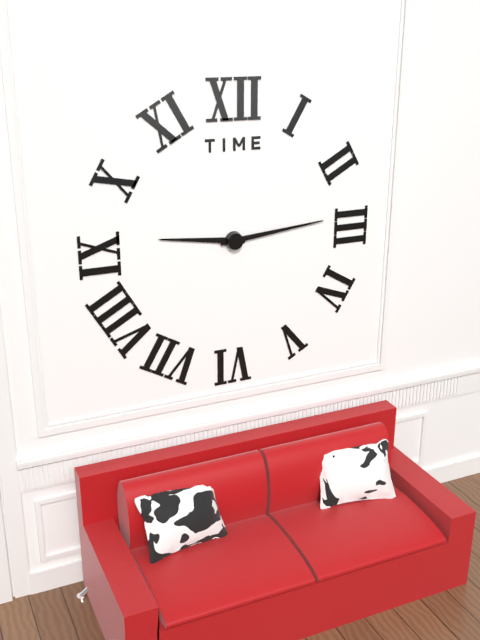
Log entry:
h=9 m=14
